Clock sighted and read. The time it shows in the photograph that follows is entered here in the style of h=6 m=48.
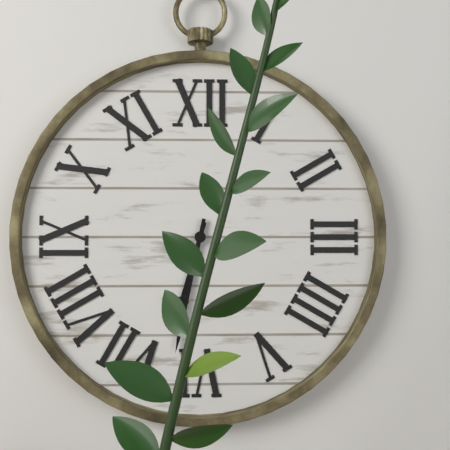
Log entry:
h=6 m=32
